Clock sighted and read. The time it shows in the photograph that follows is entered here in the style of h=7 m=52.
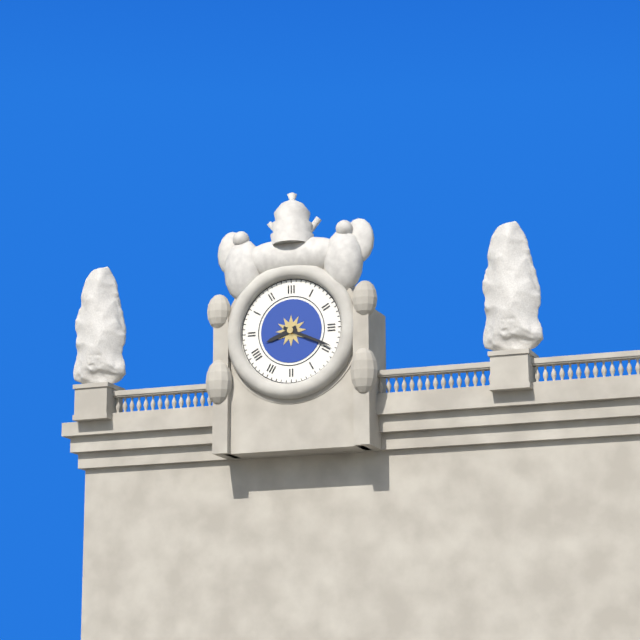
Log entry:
h=8 m=19
